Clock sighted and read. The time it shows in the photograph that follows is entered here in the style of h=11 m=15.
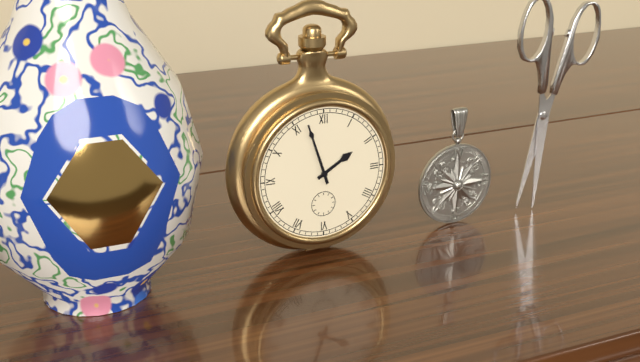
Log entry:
h=1 m=57
